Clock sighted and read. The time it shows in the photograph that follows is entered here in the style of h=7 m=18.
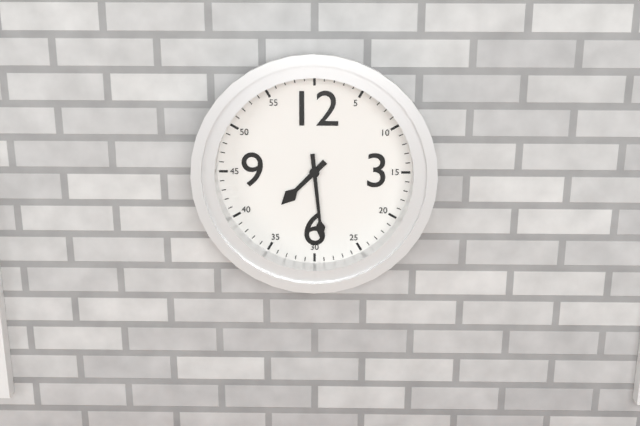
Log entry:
h=7 m=29
